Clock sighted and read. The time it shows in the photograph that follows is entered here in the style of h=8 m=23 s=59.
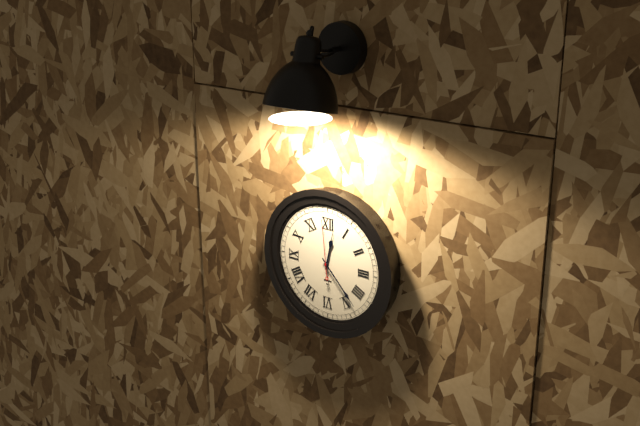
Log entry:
h=12 m=23 s=59
